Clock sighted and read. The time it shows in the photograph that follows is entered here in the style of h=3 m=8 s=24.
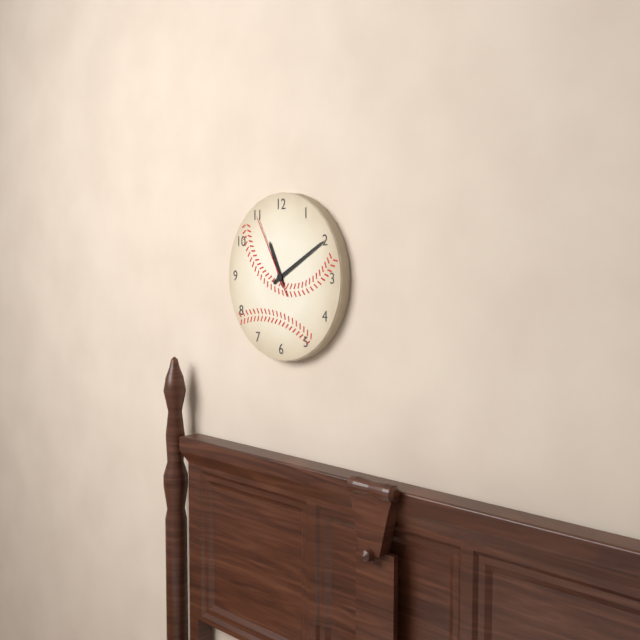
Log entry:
h=11 m=10 s=55
